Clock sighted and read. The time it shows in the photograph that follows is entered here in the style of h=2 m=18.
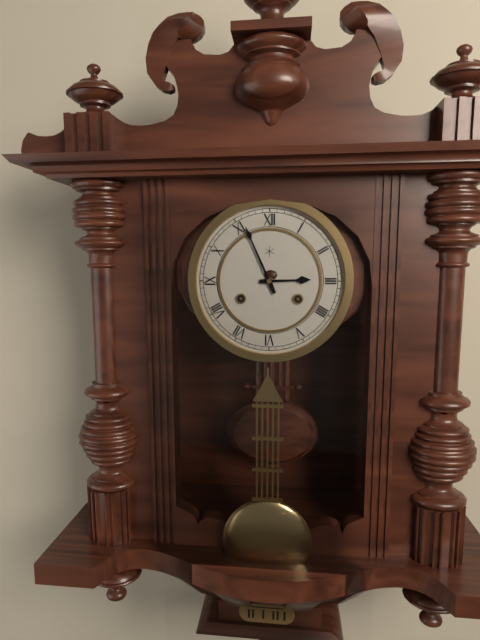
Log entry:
h=2 m=56
